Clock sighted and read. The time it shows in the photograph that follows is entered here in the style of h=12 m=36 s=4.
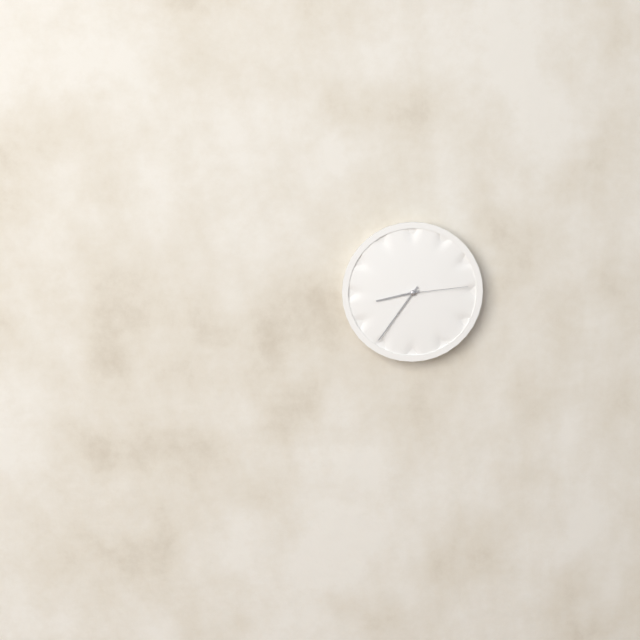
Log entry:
h=8 m=36 s=14
